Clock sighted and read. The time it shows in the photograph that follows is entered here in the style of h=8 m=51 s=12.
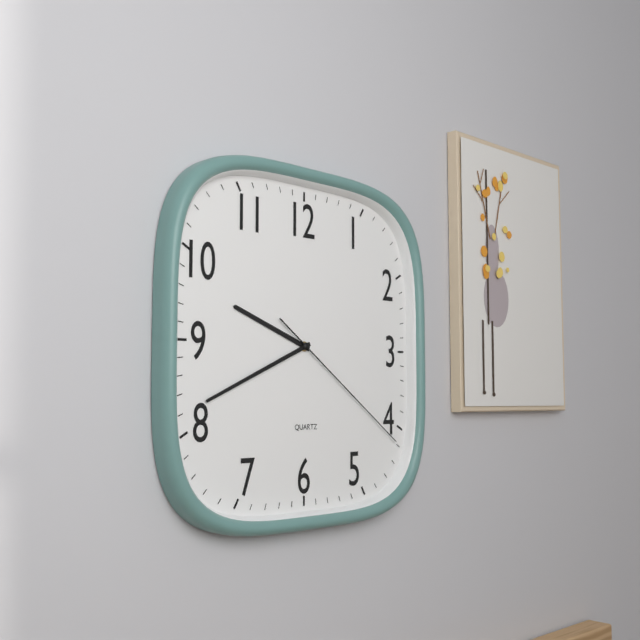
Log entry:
h=9 m=41 s=21
